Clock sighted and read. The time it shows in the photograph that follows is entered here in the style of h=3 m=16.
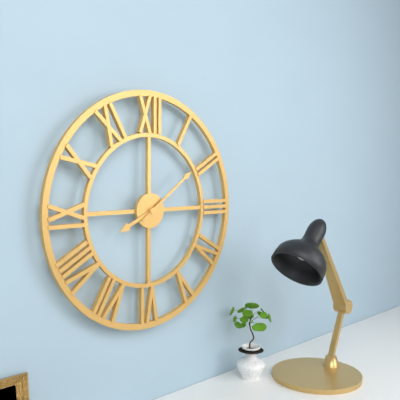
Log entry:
h=8 m=9
